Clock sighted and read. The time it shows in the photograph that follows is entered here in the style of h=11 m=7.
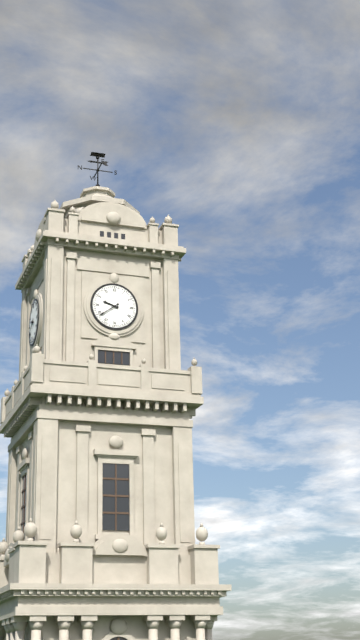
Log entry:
h=9 m=39
